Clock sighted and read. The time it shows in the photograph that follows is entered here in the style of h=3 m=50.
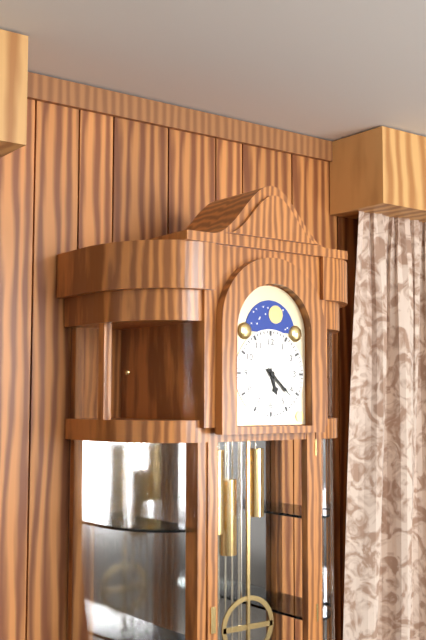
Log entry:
h=5 m=22
